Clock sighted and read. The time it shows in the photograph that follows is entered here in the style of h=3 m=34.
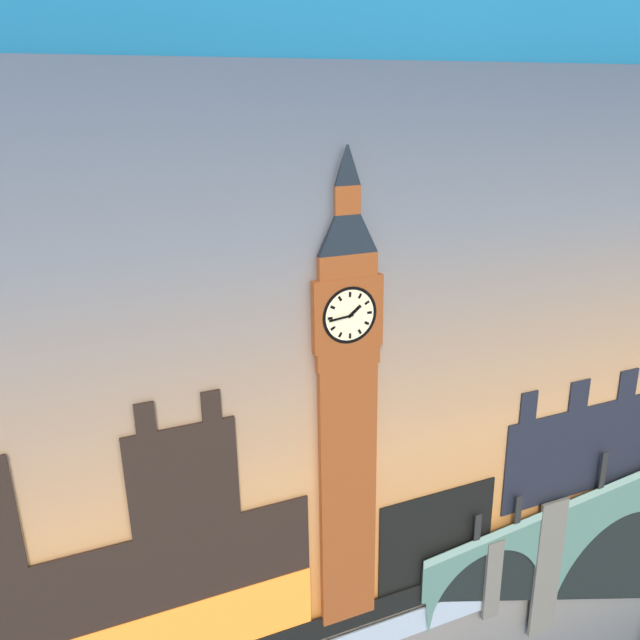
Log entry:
h=1 m=44
